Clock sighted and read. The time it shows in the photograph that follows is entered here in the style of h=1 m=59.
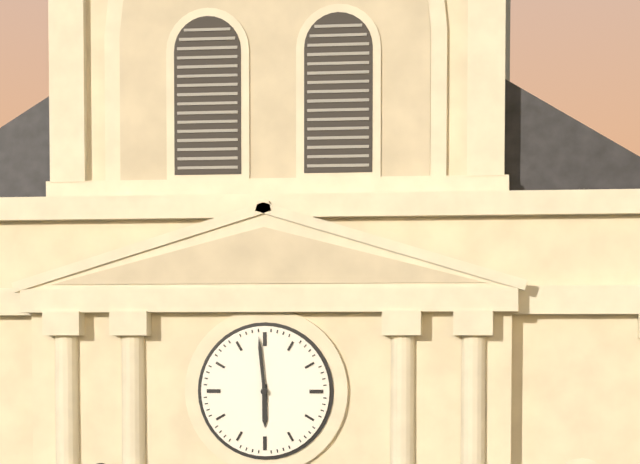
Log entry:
h=5 m=59
